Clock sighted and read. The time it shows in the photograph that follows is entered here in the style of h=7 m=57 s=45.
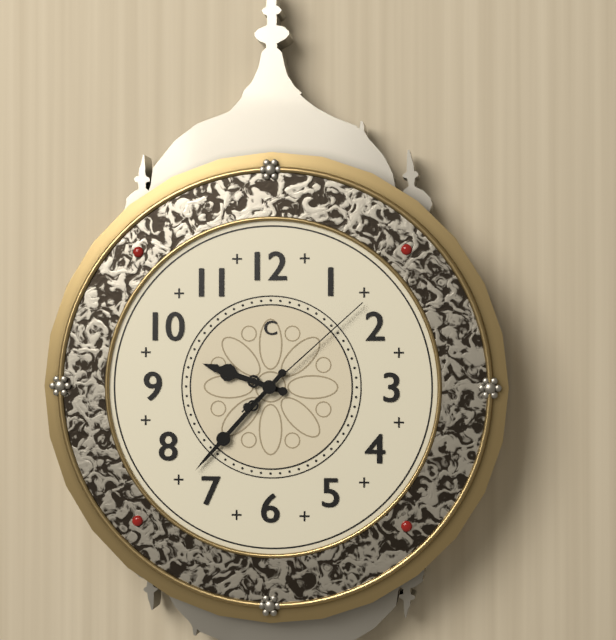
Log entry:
h=9 m=37 s=8
